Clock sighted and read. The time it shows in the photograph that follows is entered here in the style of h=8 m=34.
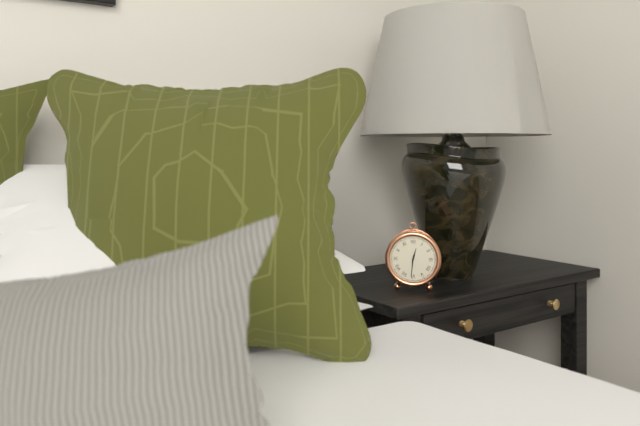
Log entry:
h=12 m=31
